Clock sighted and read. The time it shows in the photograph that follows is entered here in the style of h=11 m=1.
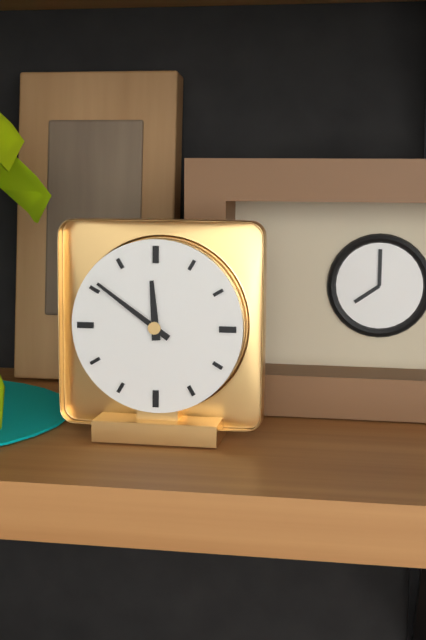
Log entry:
h=11 m=51
